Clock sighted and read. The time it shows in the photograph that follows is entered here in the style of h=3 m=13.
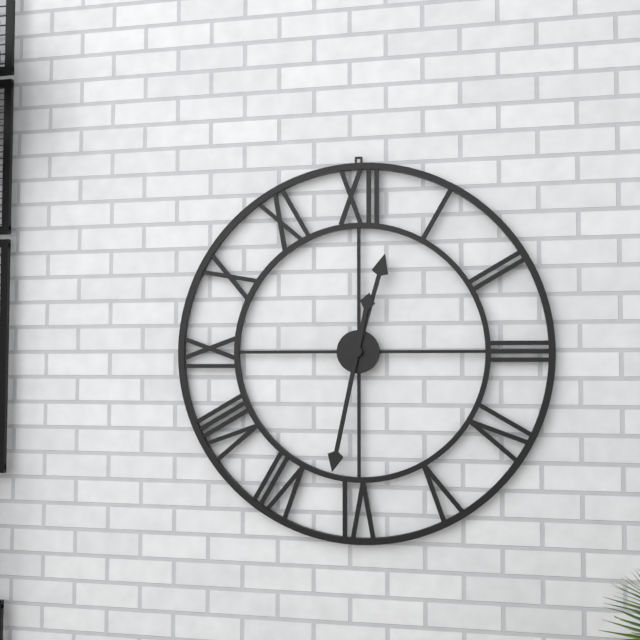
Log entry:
h=12 m=32
